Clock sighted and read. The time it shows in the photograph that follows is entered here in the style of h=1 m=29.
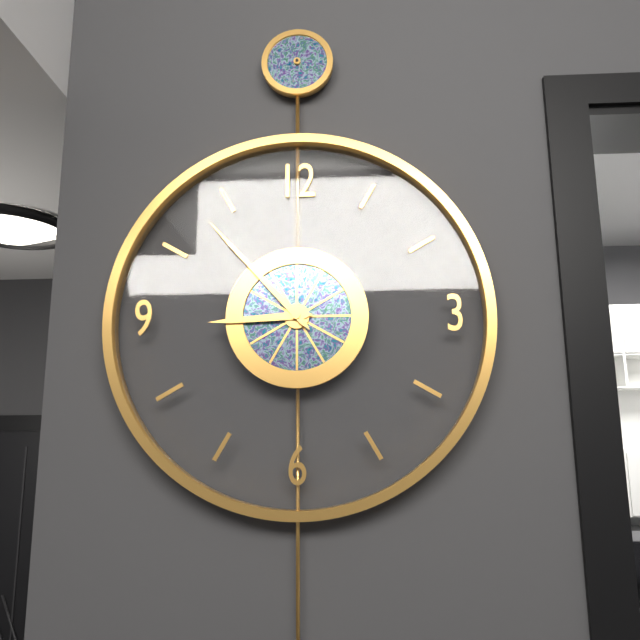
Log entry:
h=8 m=53
